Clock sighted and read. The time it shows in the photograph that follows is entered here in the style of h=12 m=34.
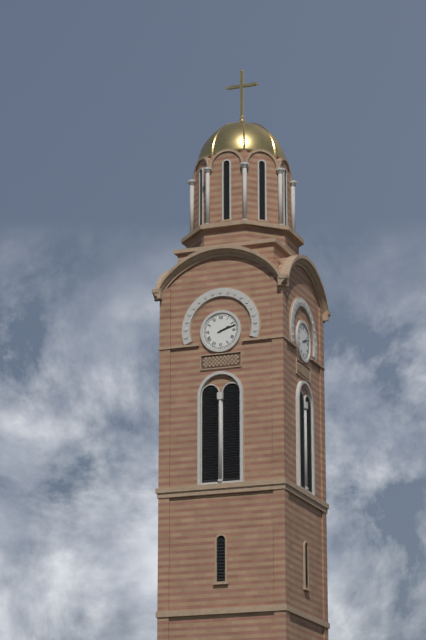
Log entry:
h=2 m=12
